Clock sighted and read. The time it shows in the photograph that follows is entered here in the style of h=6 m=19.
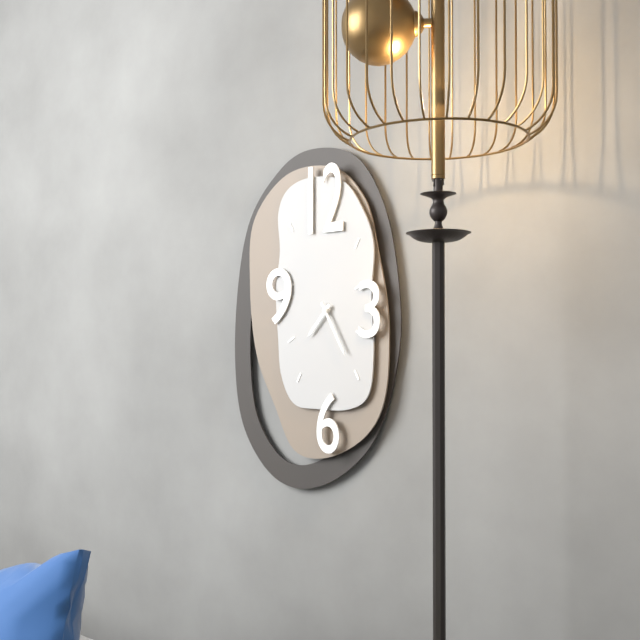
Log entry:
h=7 m=25
